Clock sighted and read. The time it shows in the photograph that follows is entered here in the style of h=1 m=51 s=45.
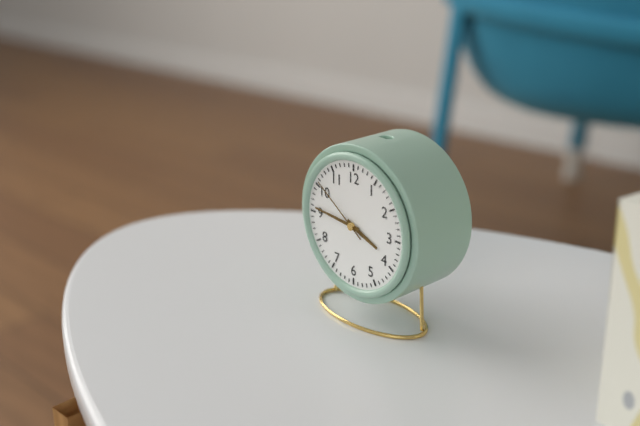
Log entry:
h=3 m=46 s=51
